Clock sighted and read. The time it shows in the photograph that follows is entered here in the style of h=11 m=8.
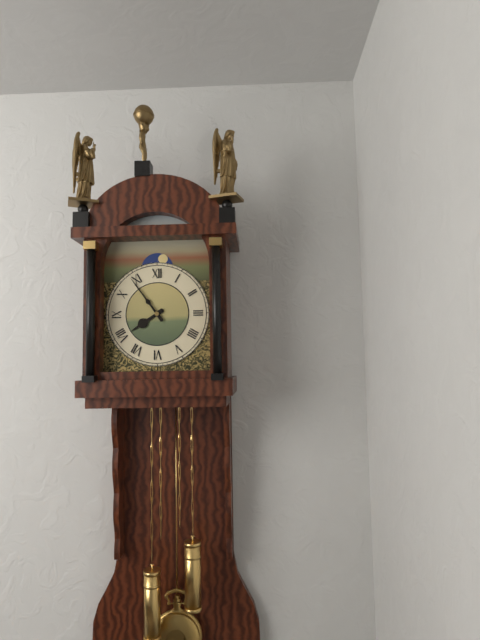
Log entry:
h=7 m=54
